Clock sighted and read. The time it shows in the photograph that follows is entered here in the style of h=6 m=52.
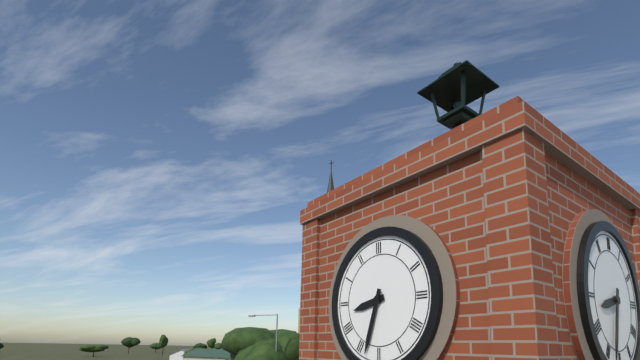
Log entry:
h=8 m=33
